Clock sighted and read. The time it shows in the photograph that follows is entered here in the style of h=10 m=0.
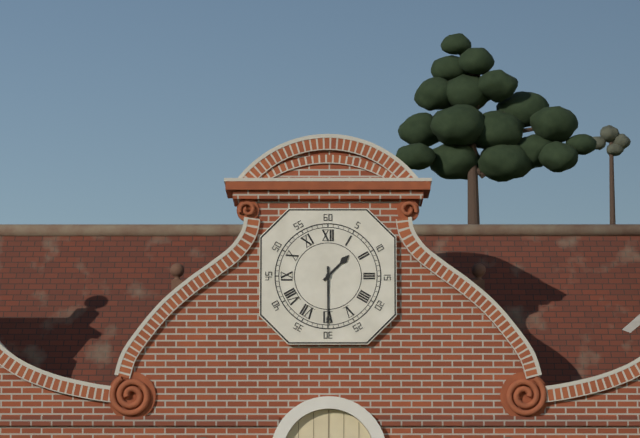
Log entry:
h=1 m=30
